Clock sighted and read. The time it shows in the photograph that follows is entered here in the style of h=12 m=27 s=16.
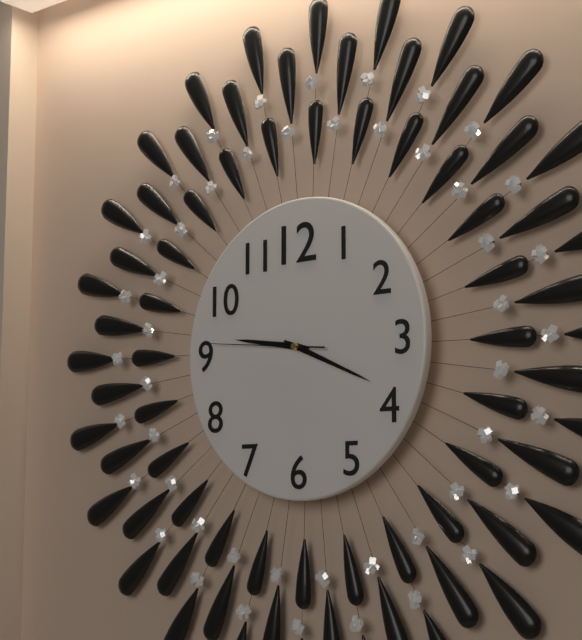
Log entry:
h=9 m=19 s=46
